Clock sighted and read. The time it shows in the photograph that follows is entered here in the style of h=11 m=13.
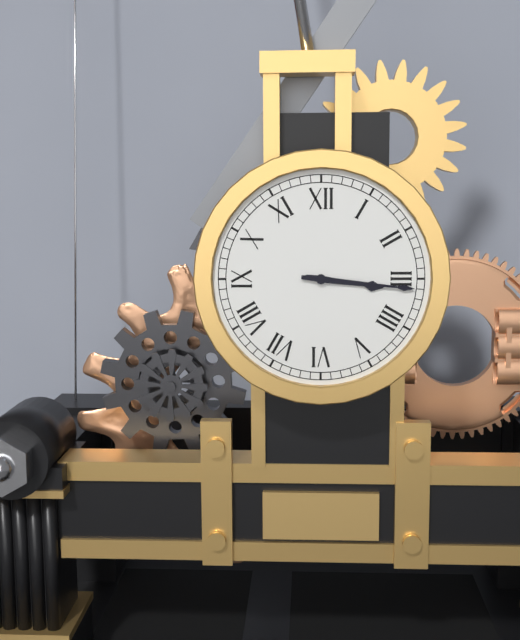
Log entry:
h=3 m=16
